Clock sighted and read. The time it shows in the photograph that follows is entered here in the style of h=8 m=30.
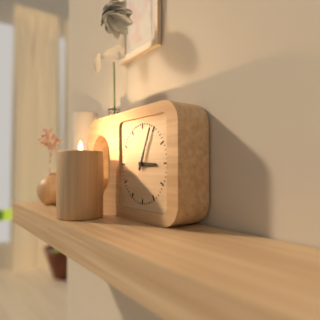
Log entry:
h=3 m=4
